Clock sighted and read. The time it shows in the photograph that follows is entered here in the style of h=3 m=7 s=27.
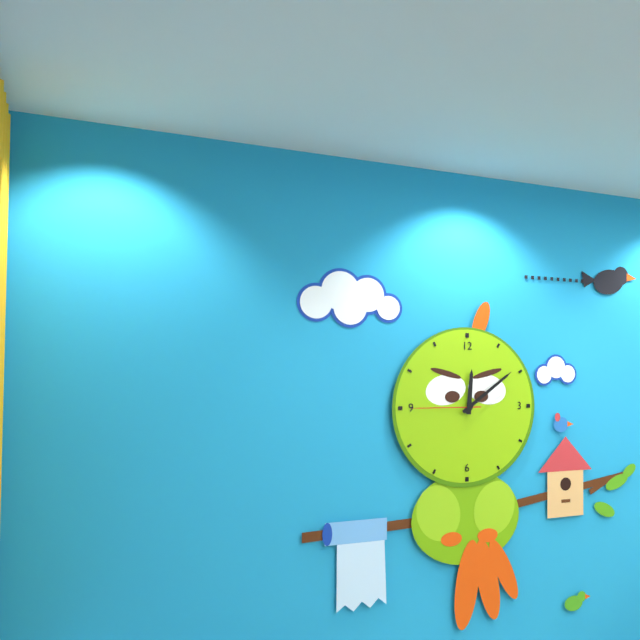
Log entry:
h=12 m=9 s=45
